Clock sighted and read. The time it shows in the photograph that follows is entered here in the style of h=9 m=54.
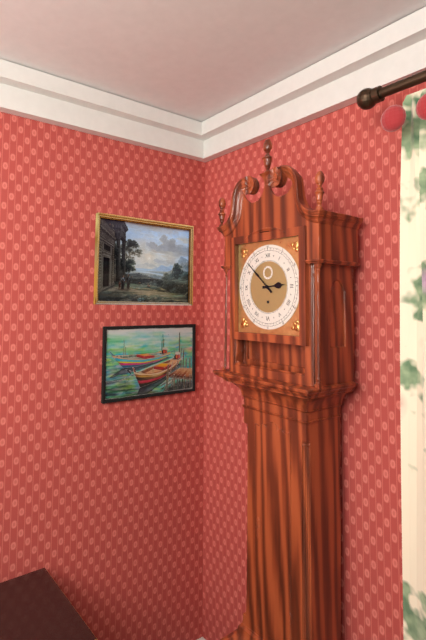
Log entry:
h=2 m=52
